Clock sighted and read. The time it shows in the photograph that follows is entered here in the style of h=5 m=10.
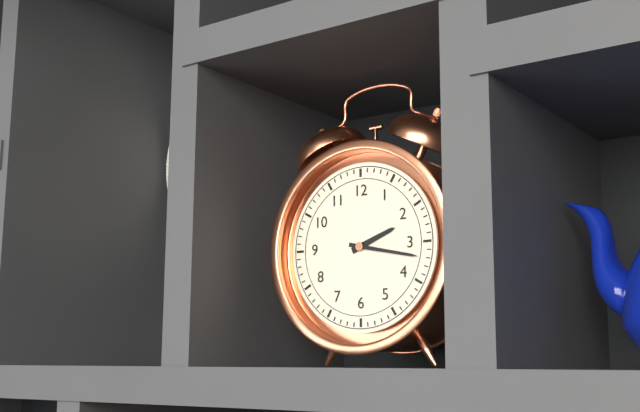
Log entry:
h=2 m=17
